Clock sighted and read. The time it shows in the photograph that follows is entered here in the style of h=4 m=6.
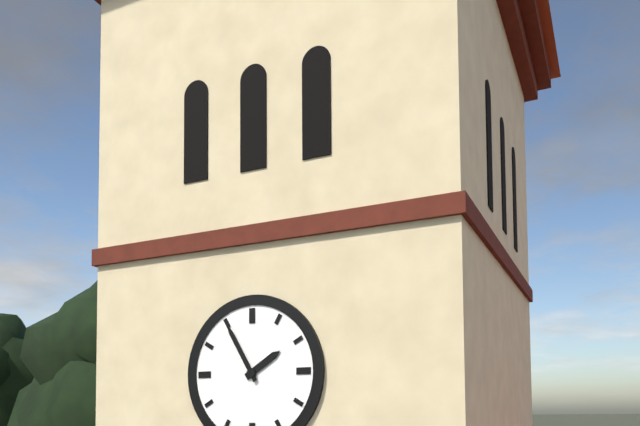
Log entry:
h=1 m=55
